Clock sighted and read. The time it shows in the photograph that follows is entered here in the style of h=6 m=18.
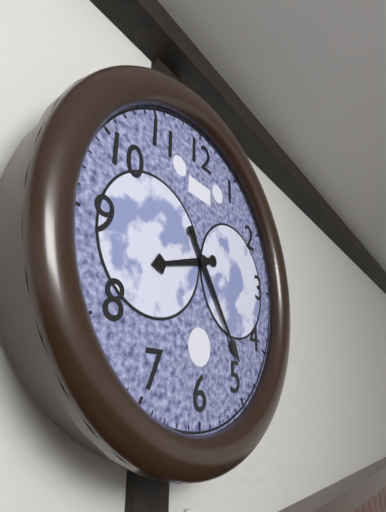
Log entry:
h=8 m=24
